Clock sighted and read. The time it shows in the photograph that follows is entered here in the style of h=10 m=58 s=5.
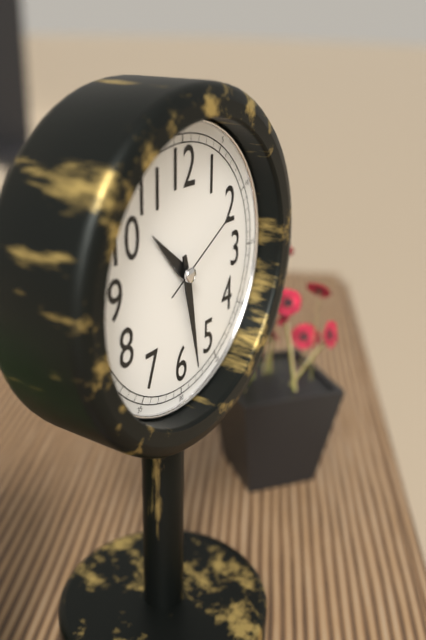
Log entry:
h=10 m=28 s=10
